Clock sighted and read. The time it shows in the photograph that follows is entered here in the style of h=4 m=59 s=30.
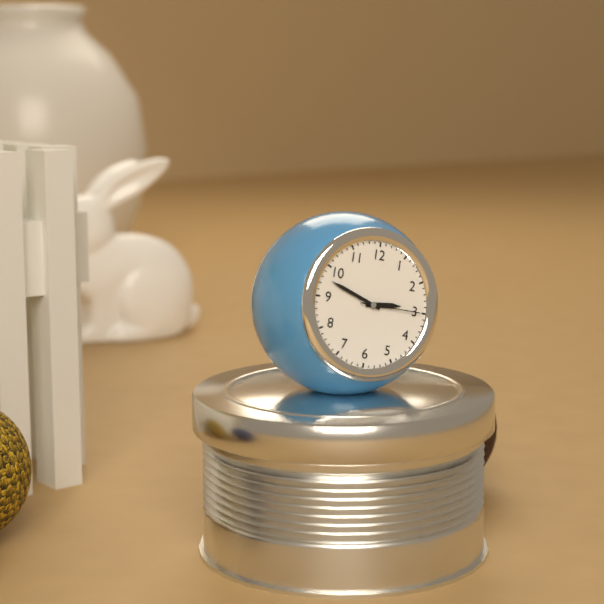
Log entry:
h=2 m=48 s=15
